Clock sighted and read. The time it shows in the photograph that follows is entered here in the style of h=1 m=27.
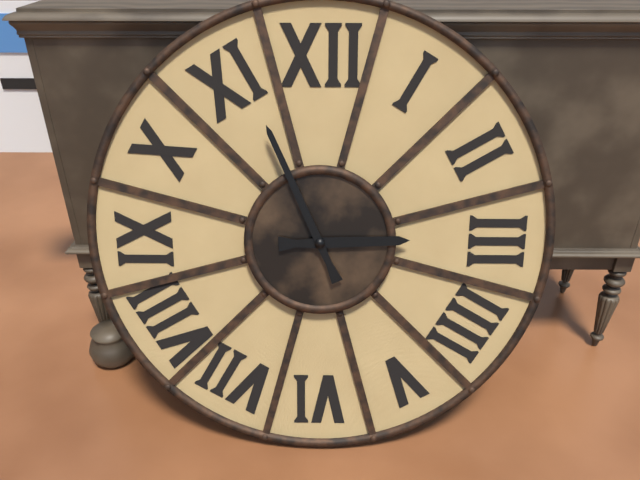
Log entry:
h=2 m=56
